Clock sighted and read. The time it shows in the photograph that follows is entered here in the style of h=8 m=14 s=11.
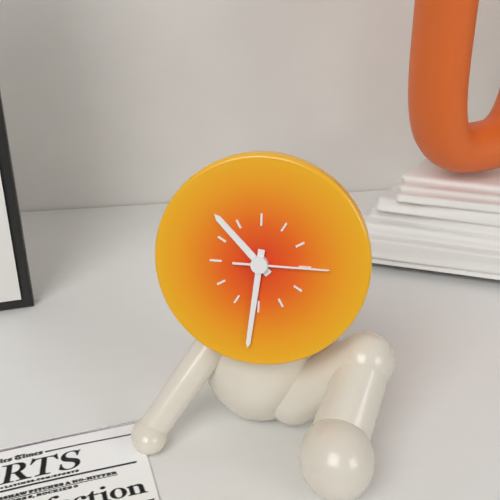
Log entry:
h=10 m=31 s=15
